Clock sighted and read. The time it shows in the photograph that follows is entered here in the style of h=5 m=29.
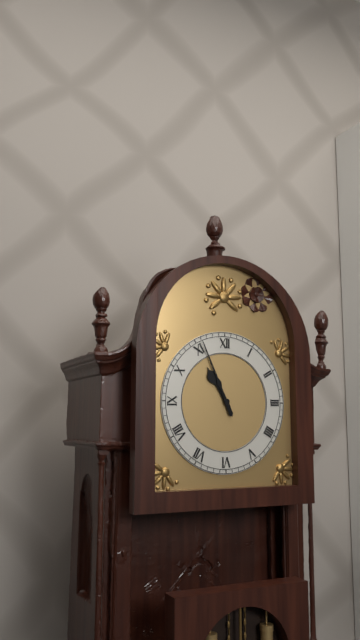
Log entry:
h=10 m=56
